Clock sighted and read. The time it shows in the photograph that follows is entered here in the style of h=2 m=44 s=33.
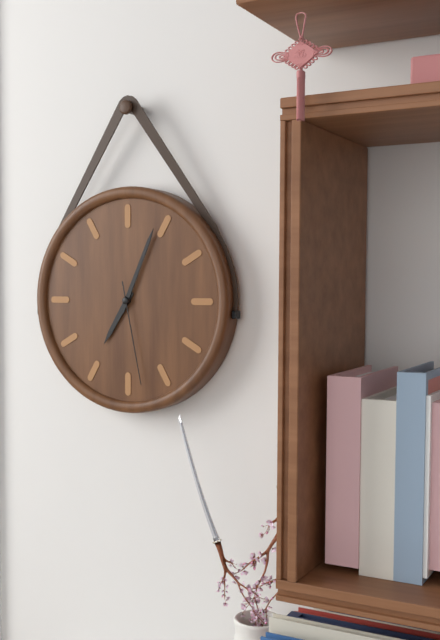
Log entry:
h=7 m=4 s=28
